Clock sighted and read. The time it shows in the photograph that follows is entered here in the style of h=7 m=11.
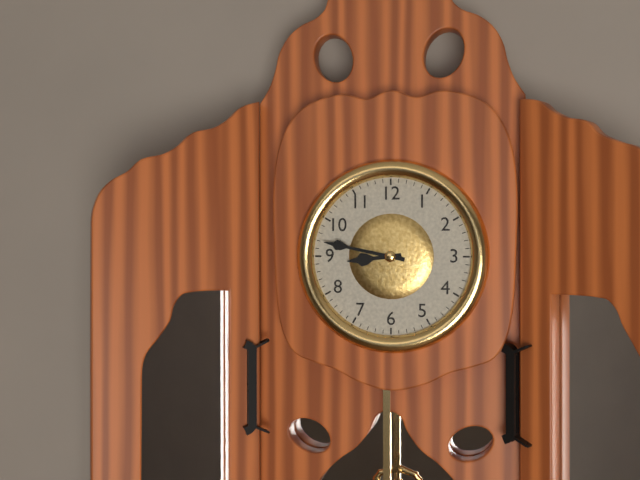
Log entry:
h=8 m=47
